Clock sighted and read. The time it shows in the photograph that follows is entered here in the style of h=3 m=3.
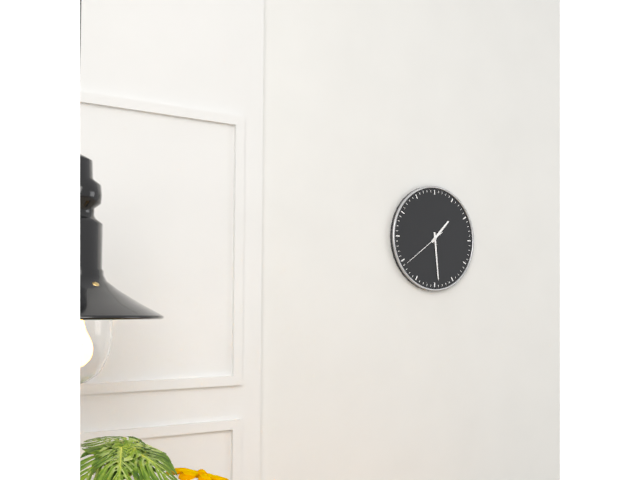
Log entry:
h=1 m=29
